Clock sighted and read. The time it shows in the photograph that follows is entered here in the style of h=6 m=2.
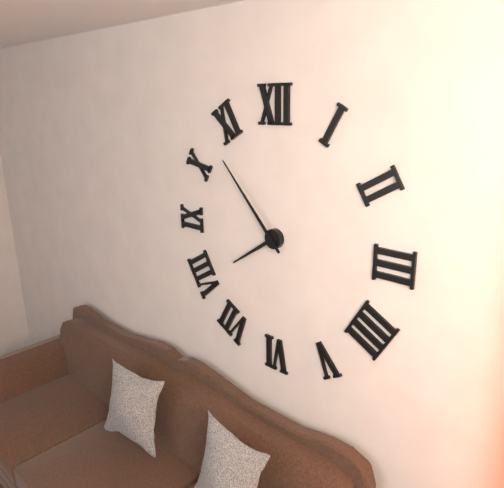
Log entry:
h=7 m=53
